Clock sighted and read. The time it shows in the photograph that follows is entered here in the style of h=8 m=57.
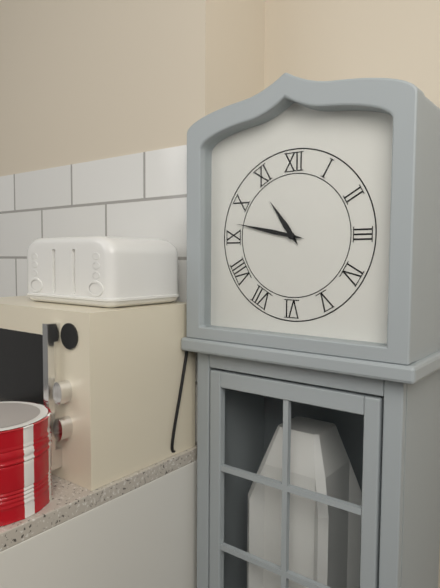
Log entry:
h=10 m=47
